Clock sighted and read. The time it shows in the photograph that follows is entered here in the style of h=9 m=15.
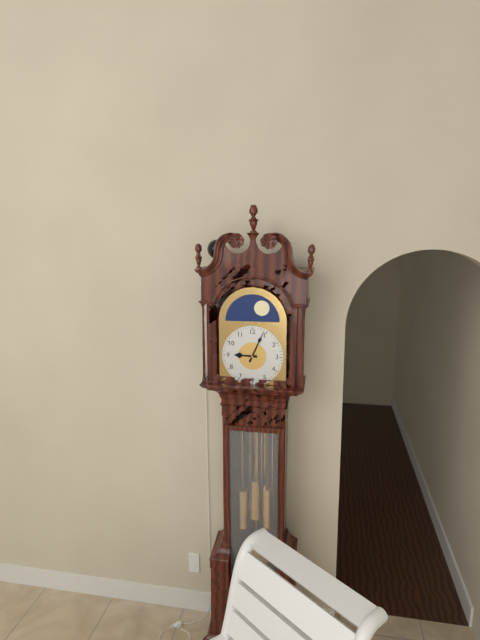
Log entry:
h=9 m=4
